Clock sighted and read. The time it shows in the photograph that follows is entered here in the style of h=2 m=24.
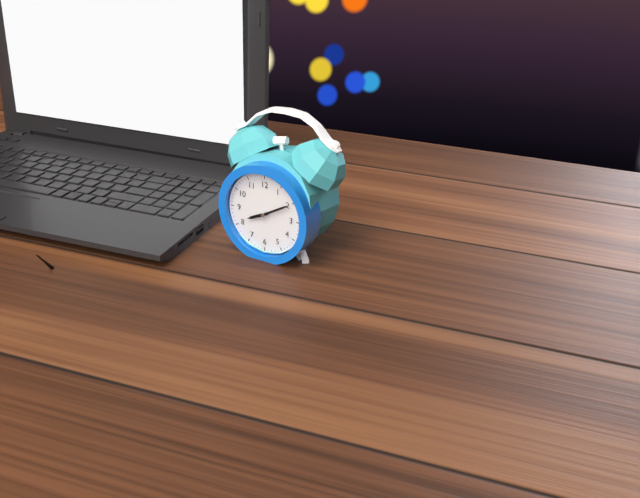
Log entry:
h=8 m=10
